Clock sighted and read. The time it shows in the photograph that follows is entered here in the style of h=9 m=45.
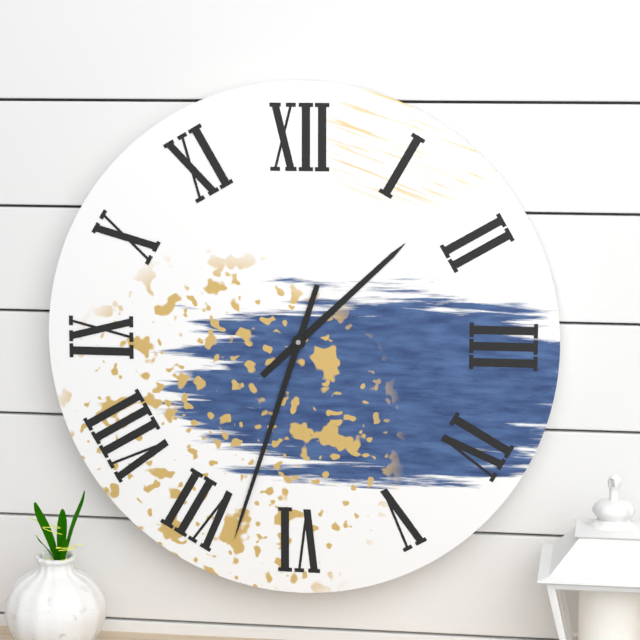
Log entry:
h=1 m=33
